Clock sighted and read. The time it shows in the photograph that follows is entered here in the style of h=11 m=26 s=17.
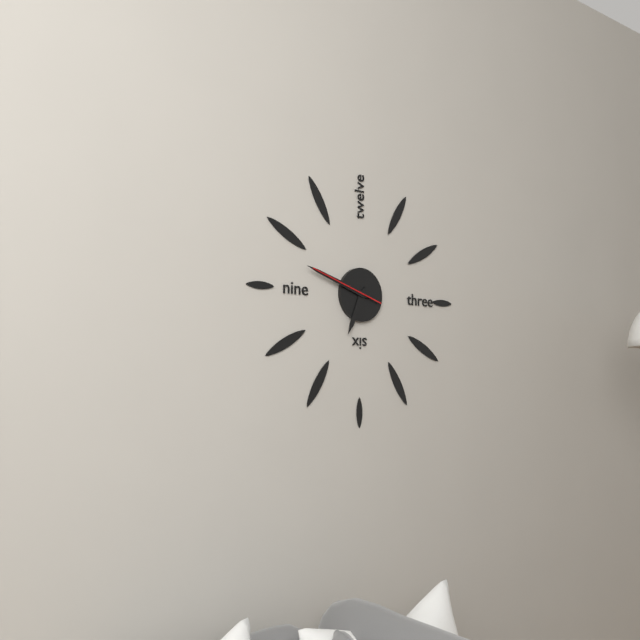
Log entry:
h=6 m=48 s=48
